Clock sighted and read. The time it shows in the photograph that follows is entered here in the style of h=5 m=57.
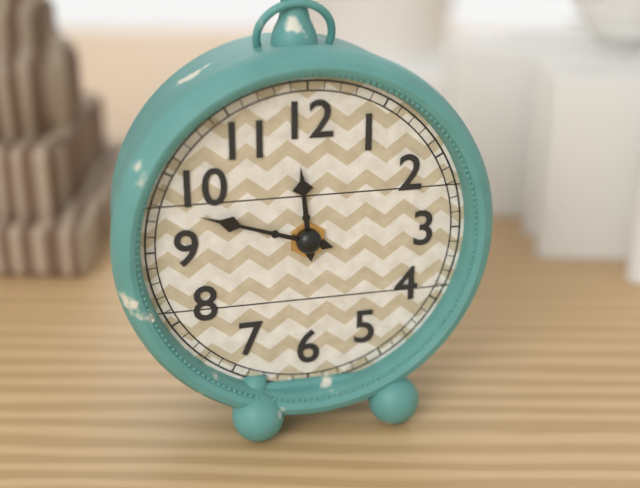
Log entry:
h=11 m=48
